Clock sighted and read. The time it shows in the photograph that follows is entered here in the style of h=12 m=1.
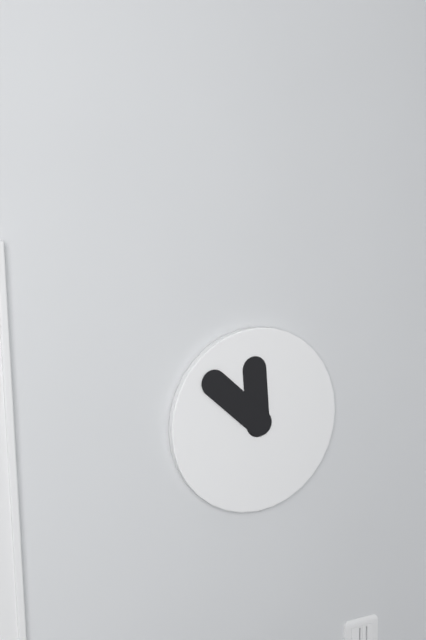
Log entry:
h=11 m=52
